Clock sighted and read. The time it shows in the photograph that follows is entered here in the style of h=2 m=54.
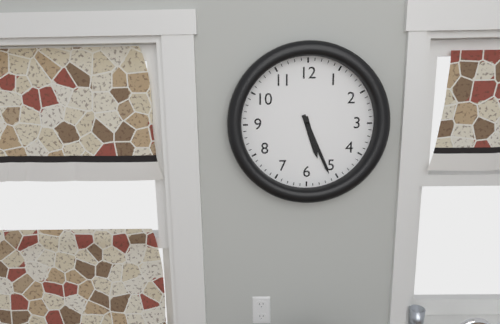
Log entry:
h=5 m=26
